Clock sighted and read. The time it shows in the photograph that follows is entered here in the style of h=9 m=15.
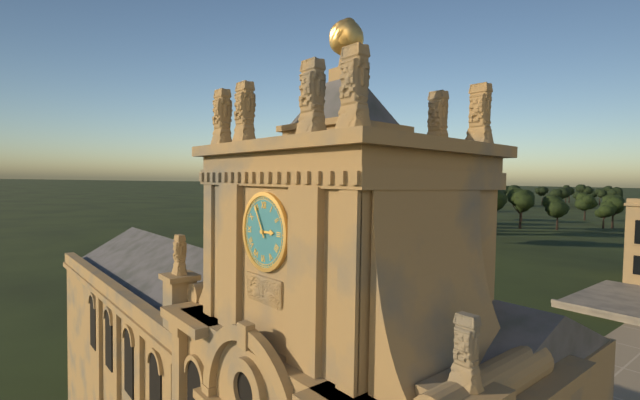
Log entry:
h=2 m=55
